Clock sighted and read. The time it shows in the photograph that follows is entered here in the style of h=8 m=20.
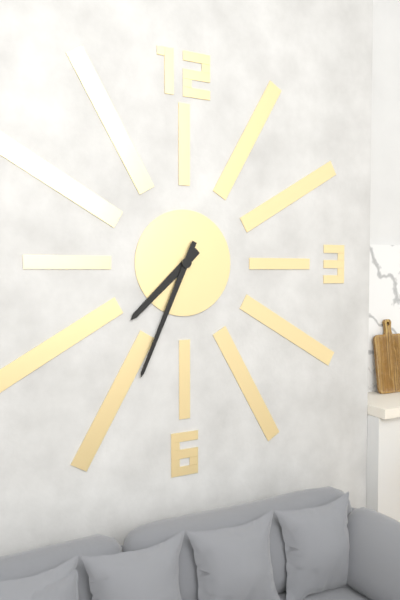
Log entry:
h=7 m=34
